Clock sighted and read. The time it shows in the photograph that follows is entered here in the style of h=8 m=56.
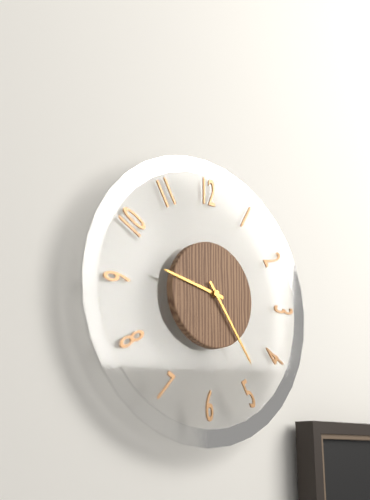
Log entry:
h=9 m=24
